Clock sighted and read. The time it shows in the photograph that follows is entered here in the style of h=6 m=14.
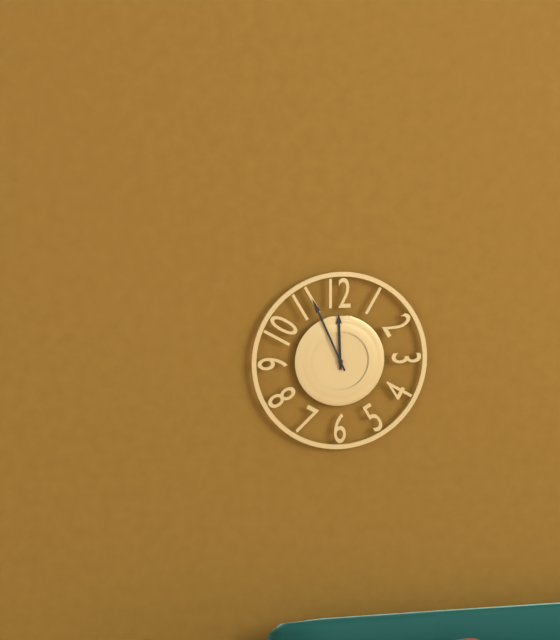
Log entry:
h=11 m=56
